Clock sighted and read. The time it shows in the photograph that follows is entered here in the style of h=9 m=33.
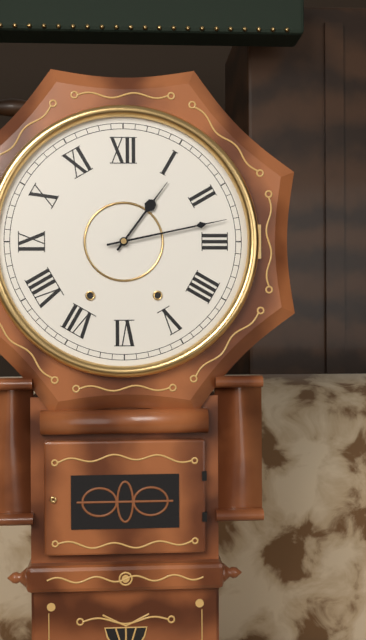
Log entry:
h=1 m=13
